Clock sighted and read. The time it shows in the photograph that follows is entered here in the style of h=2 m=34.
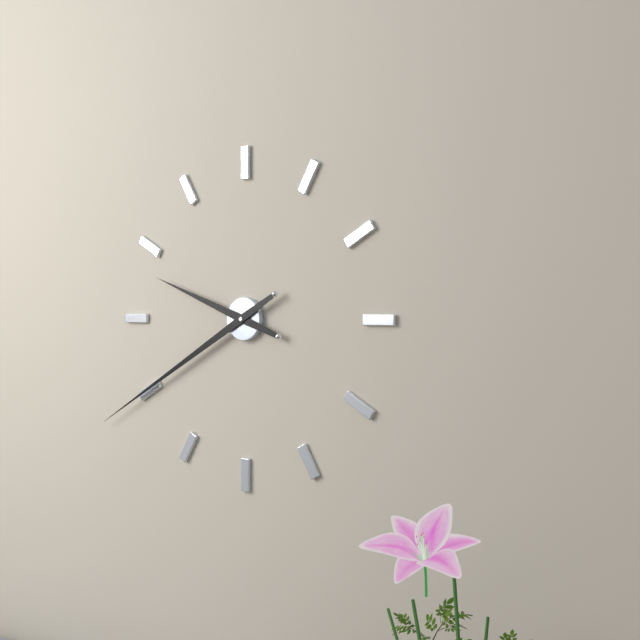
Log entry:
h=9 m=40
